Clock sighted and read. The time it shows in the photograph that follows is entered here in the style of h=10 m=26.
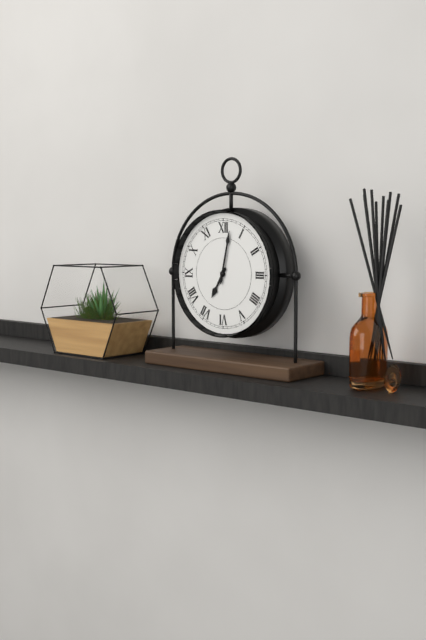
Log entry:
h=7 m=2
